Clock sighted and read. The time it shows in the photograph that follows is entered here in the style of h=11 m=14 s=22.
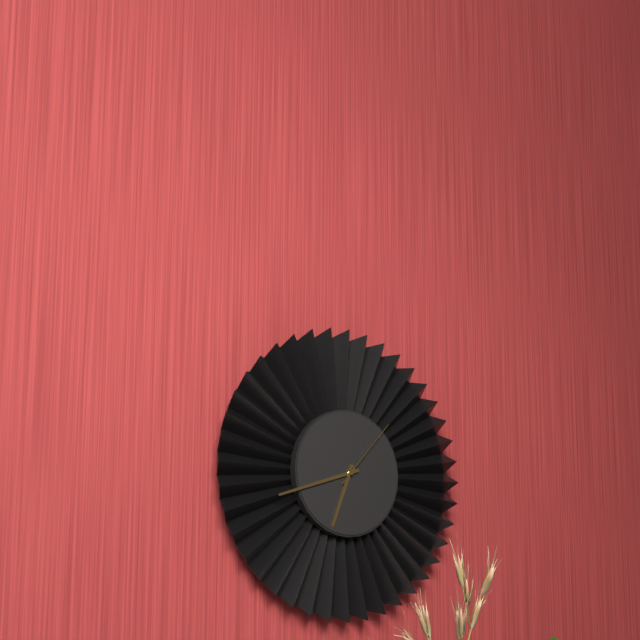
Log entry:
h=6 m=42 s=7
